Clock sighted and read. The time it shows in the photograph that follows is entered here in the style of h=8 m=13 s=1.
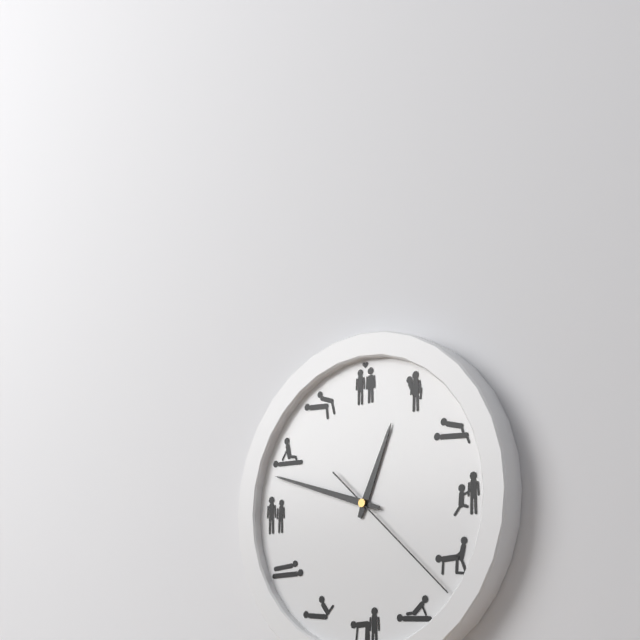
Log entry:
h=12 m=48 s=22
